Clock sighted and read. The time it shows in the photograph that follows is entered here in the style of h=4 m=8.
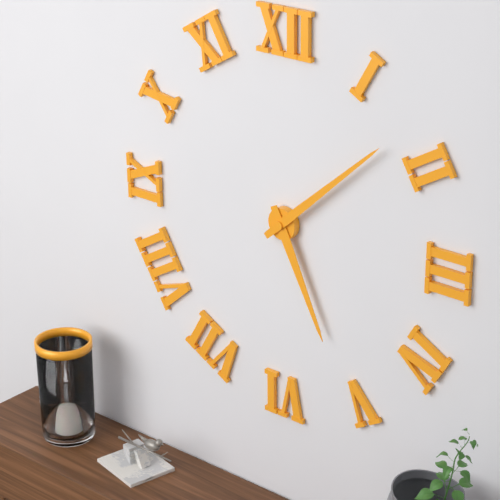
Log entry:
h=5 m=8
